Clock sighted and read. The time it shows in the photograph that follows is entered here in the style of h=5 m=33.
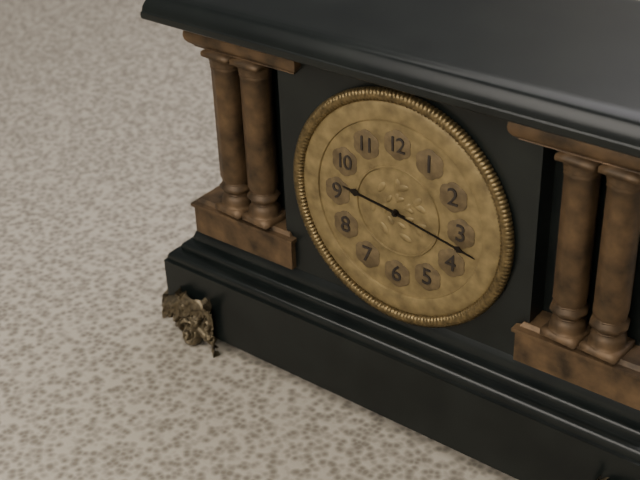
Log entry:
h=9 m=17
